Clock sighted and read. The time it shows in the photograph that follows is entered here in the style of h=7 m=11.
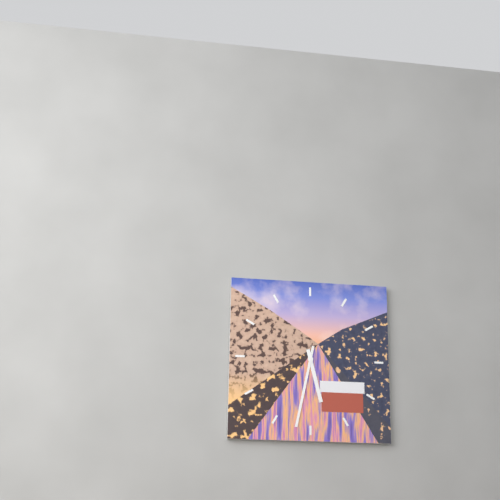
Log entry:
h=5 m=32
